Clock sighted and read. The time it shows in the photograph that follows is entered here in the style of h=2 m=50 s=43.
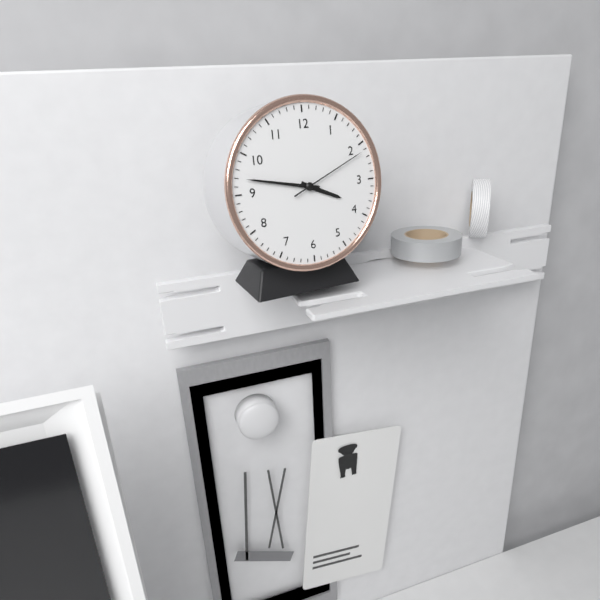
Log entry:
h=3 m=47 s=11
